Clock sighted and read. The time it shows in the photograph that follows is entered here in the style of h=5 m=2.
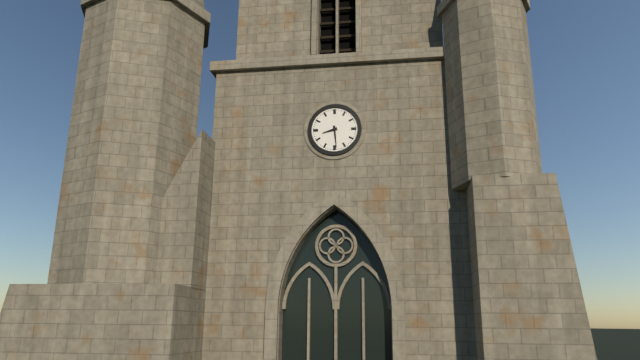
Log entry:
h=8 m=29
